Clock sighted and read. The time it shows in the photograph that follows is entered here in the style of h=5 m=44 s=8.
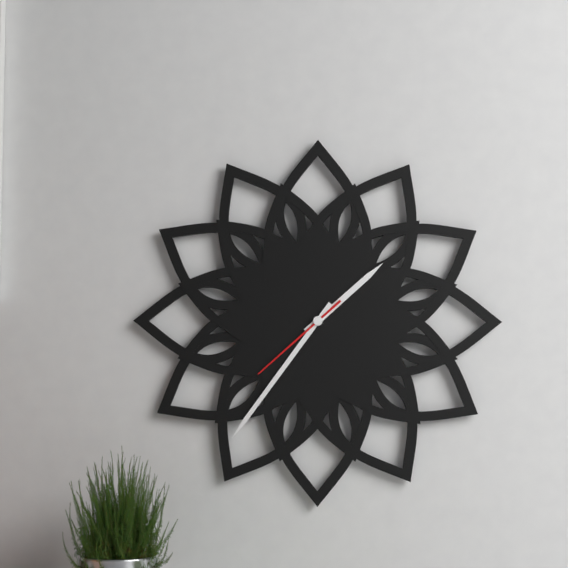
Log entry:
h=1 m=36 s=38
